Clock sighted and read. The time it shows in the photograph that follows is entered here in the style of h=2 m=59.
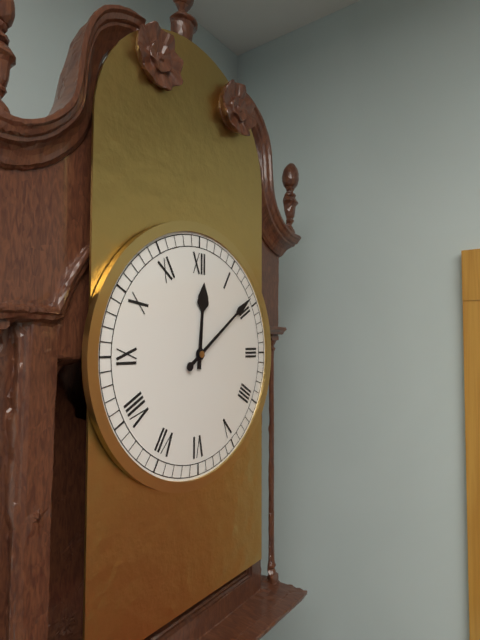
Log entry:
h=12 m=9
